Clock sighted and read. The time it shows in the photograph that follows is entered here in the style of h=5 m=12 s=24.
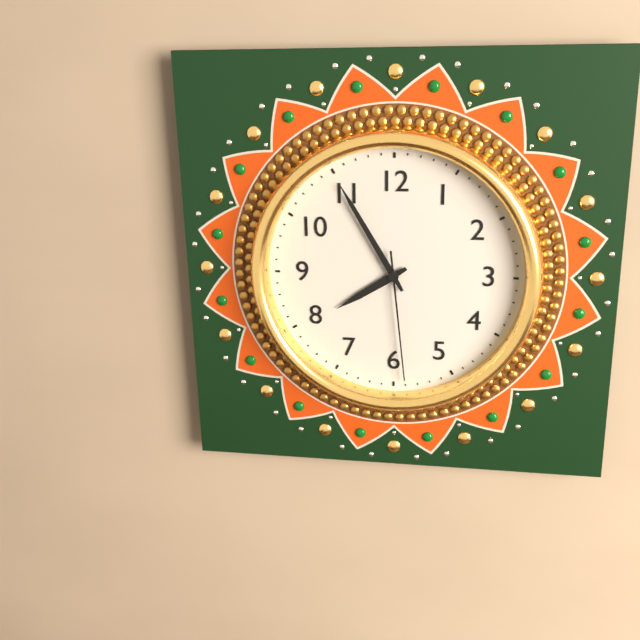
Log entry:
h=7 m=55 s=29
